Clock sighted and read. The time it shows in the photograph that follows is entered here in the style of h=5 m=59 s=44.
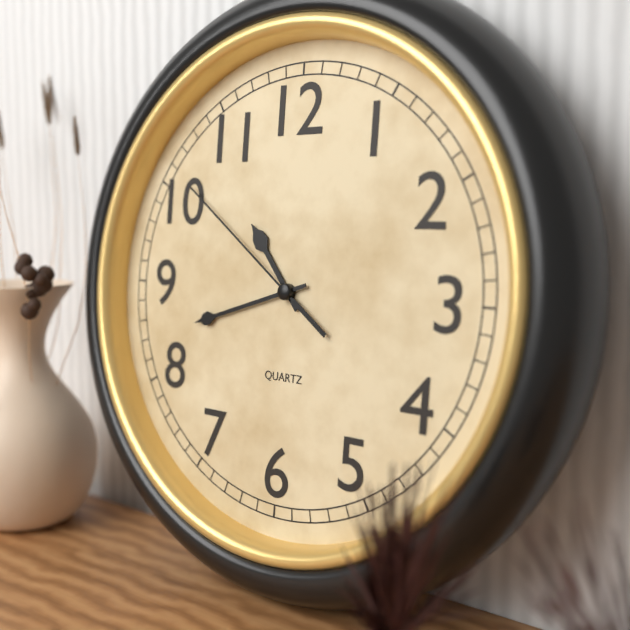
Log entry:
h=10 m=42 s=51
